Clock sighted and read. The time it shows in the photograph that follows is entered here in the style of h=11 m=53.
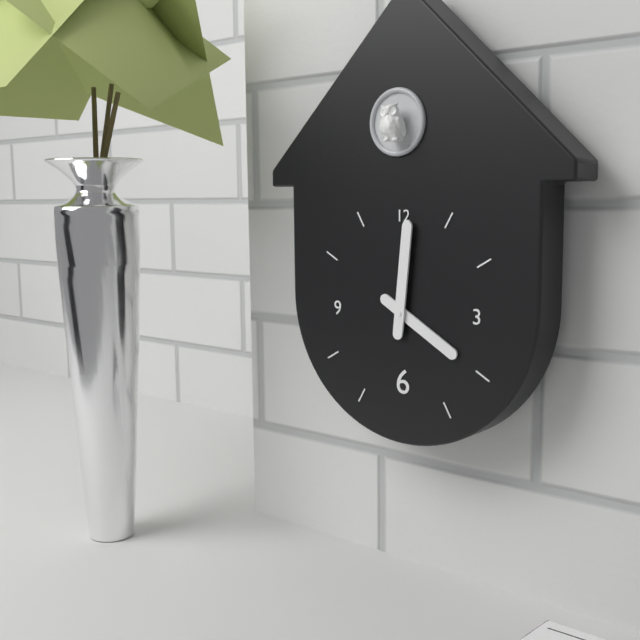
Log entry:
h=4 m=1
